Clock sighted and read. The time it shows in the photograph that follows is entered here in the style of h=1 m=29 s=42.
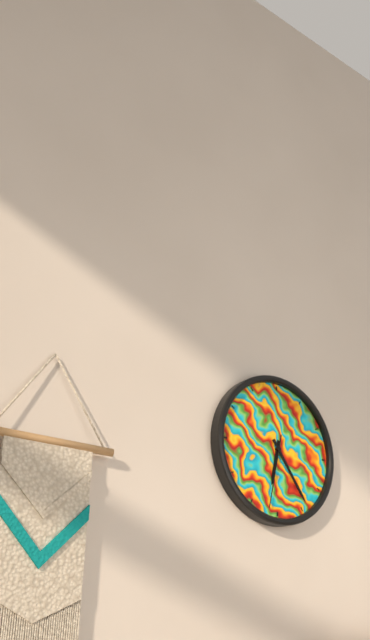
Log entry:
h=6 m=24 s=32
